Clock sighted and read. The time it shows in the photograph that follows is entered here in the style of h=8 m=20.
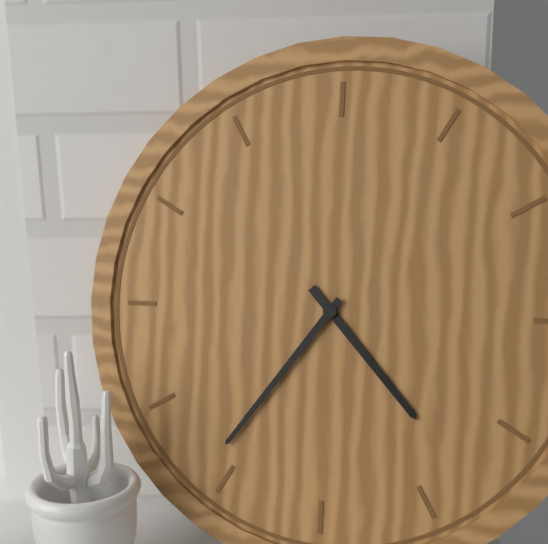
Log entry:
h=4 m=36
